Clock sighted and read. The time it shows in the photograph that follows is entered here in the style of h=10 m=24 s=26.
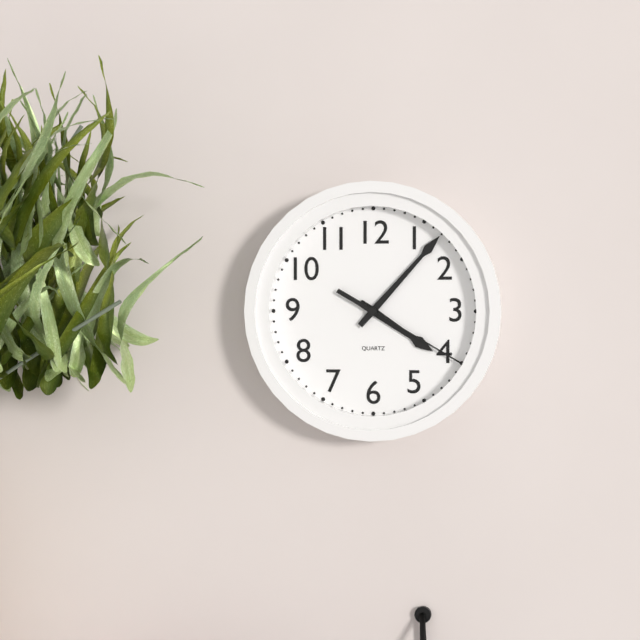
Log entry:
h=4 m=7 s=20
